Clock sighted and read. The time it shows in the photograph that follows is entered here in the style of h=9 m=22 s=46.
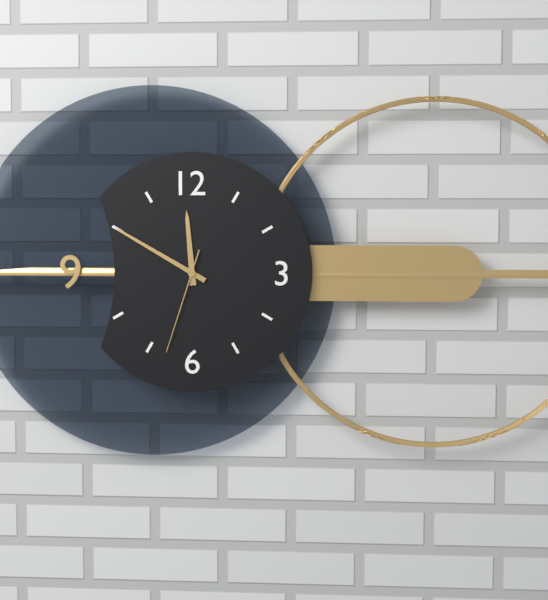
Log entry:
h=11 m=50 s=33
